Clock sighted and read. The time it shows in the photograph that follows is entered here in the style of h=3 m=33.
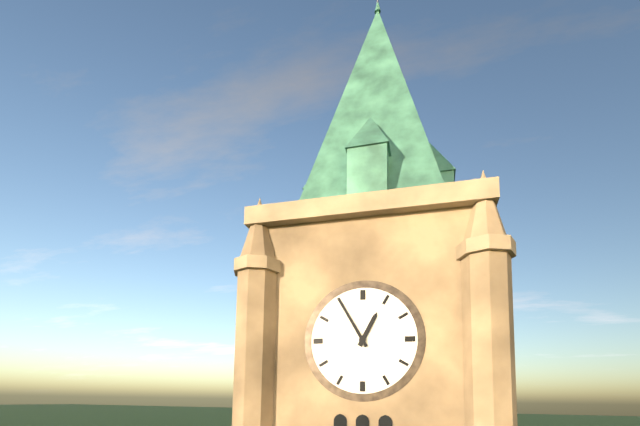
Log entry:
h=12 m=55
